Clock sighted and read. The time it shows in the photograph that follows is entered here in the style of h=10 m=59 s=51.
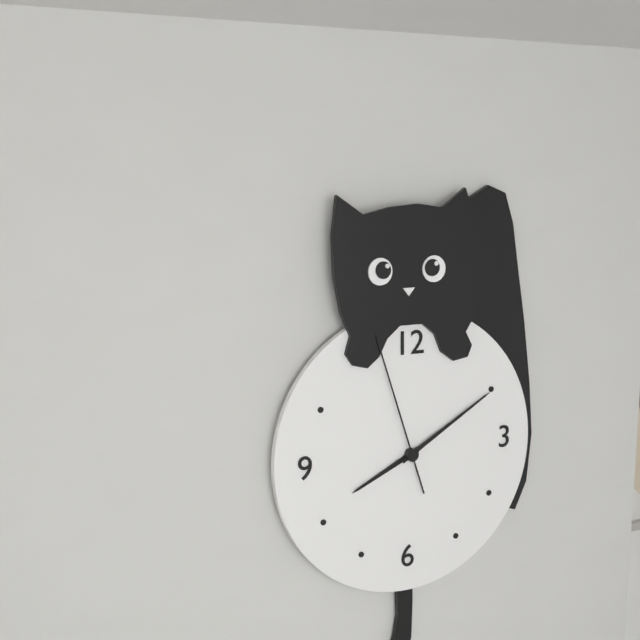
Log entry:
h=8 m=10 s=57
